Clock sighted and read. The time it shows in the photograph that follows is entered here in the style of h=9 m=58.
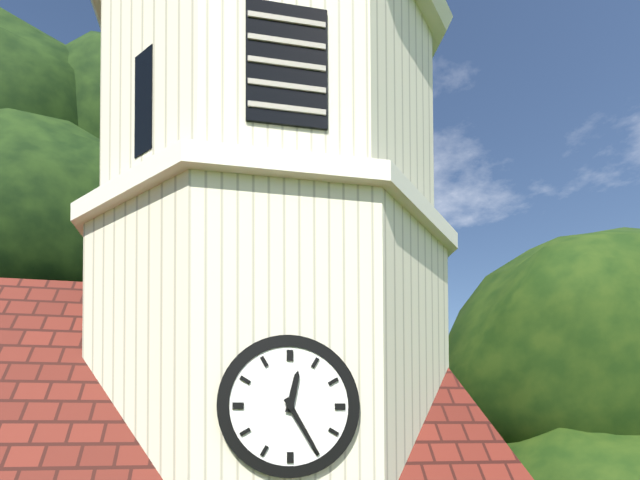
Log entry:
h=12 m=25
